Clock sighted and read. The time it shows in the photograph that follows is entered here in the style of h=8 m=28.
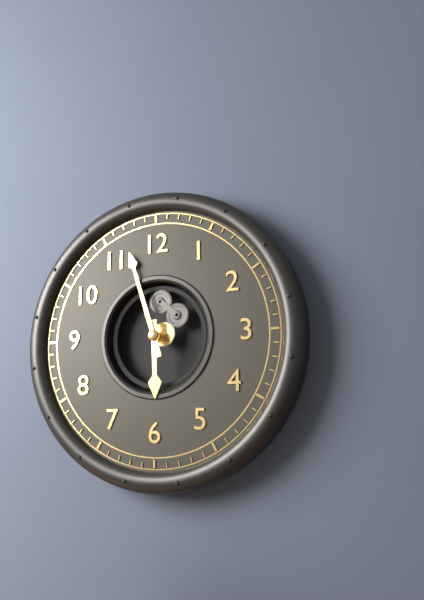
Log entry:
h=5 m=57
